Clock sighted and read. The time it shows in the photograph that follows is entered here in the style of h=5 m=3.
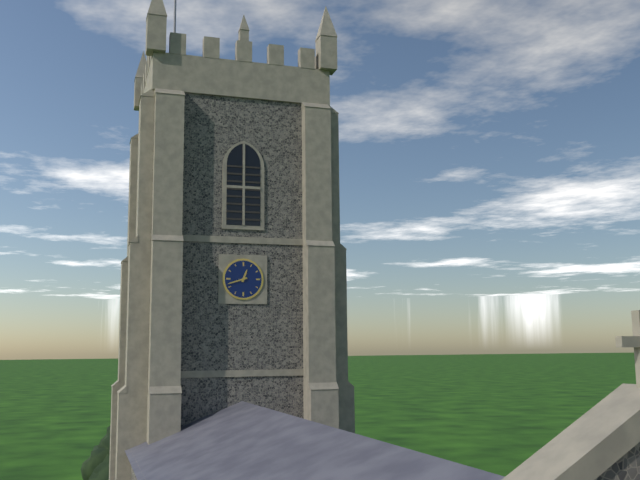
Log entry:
h=12 m=42
